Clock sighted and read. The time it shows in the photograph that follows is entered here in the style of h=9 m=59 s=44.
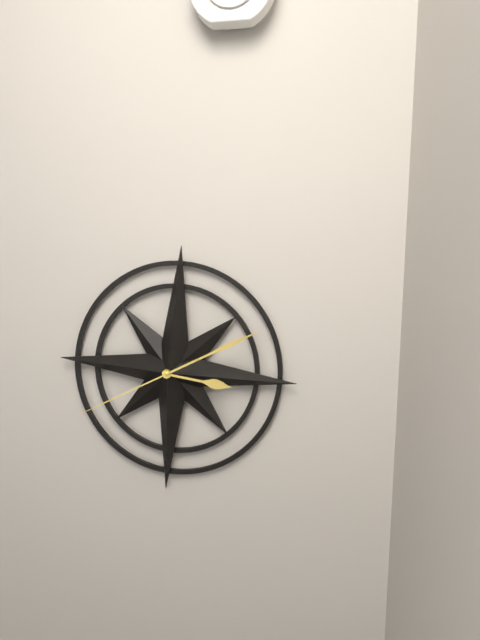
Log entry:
h=3 m=10 s=40
